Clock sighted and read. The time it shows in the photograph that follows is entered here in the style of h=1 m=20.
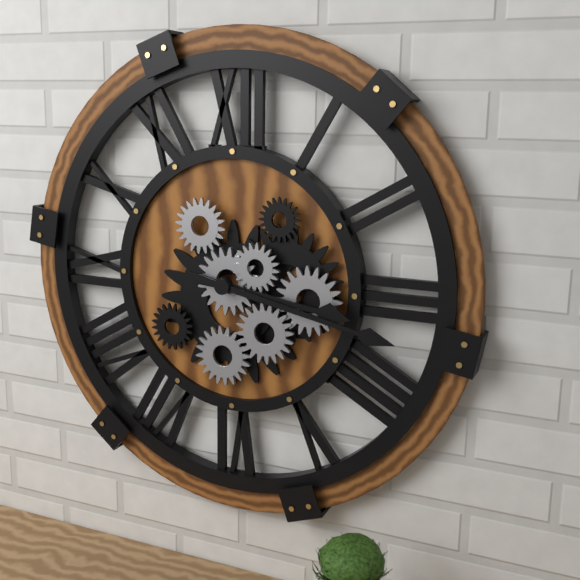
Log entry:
h=3 m=17
